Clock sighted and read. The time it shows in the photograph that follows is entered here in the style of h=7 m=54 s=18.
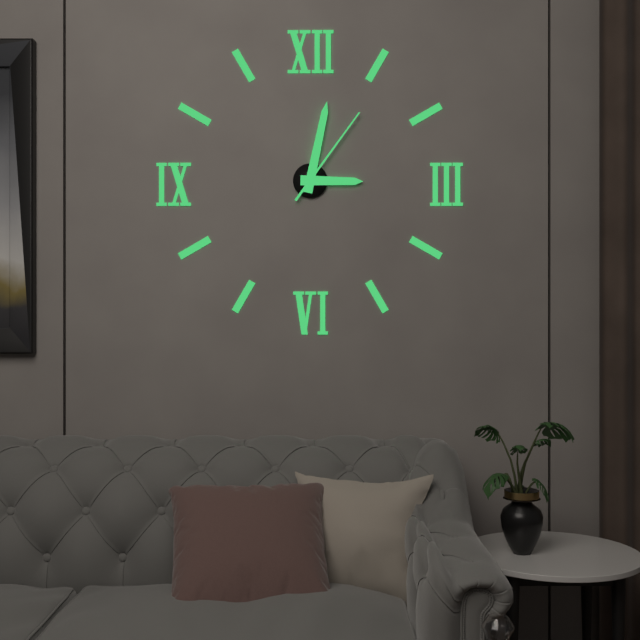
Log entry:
h=3 m=2 s=6
